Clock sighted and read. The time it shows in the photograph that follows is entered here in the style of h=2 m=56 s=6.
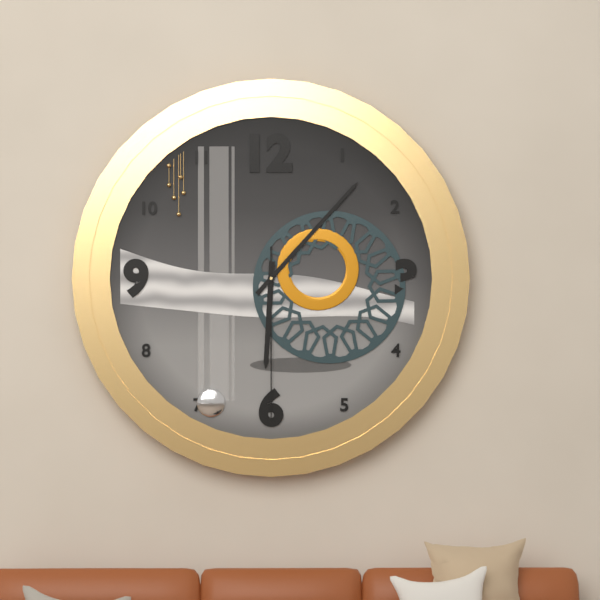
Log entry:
h=6 m=7 s=30
